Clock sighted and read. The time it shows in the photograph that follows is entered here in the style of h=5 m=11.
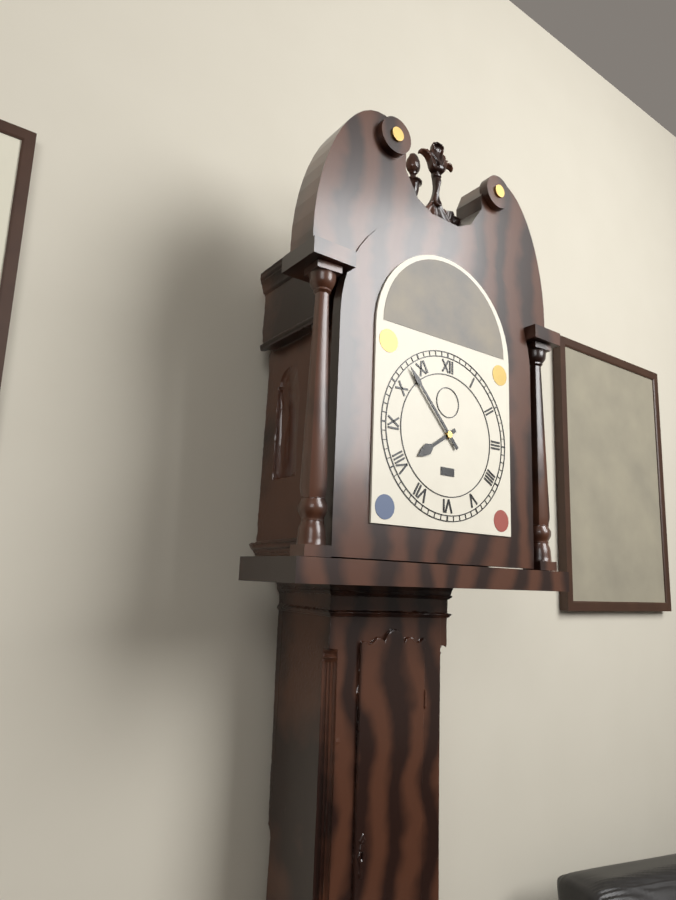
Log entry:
h=7 m=53
